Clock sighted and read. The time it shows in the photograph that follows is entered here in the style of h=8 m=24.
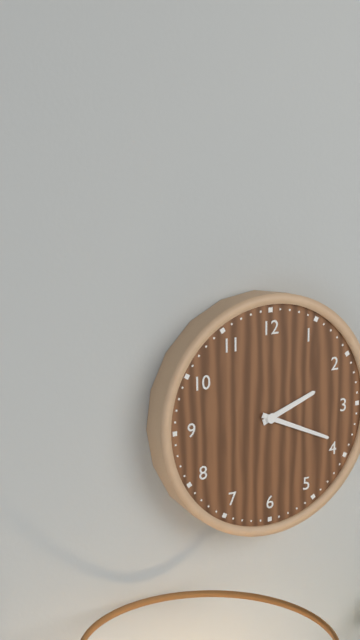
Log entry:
h=2 m=19
